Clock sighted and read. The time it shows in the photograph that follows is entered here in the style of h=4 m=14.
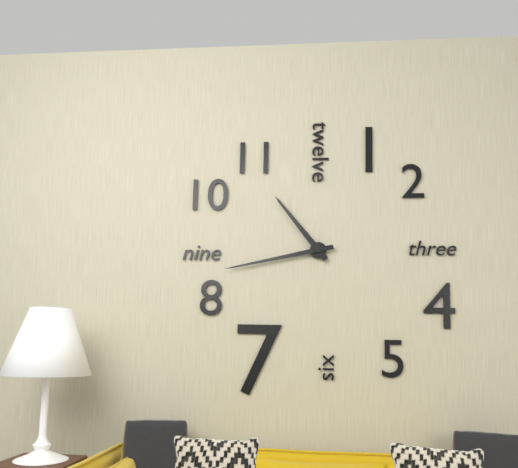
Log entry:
h=10 m=43
